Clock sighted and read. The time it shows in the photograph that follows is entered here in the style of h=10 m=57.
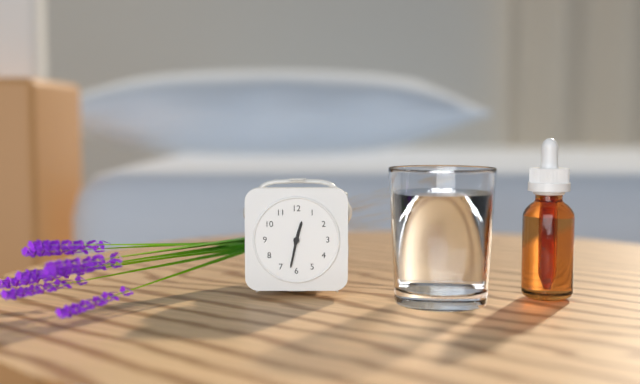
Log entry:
h=12 m=32
